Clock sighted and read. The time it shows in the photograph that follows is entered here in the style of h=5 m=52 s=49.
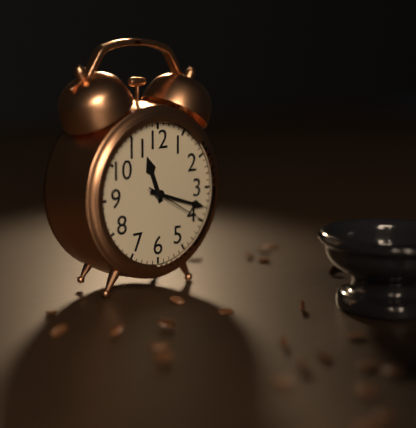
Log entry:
h=11 m=18 s=20
